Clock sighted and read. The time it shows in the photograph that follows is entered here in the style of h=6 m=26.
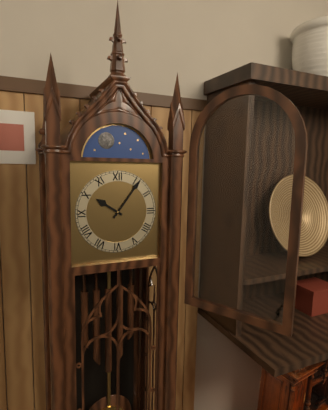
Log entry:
h=10 m=6
